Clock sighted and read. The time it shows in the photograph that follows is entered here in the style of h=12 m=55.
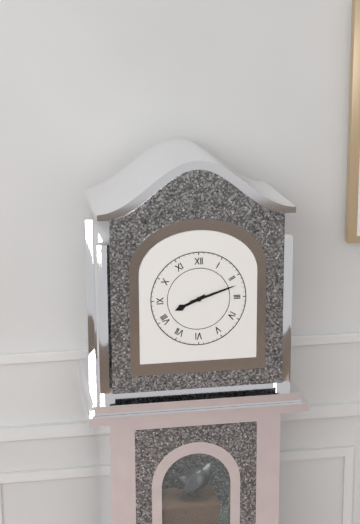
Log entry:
h=8 m=12
